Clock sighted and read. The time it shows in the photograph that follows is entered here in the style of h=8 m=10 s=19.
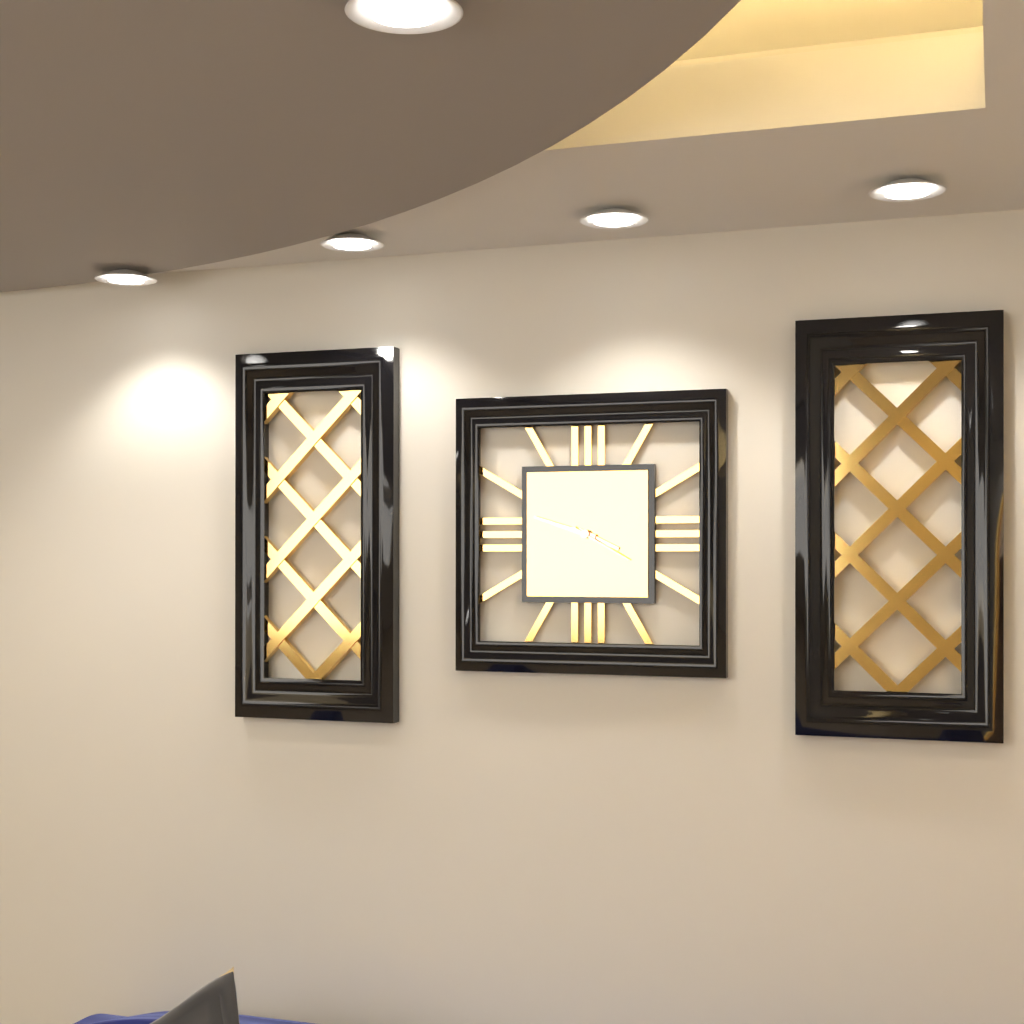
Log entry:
h=3 m=48 s=20
